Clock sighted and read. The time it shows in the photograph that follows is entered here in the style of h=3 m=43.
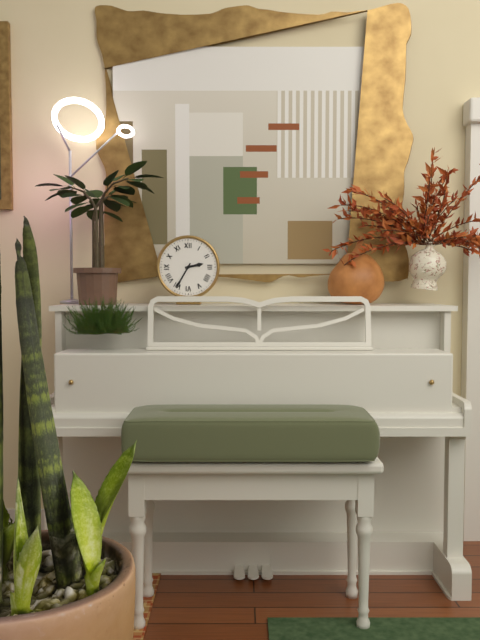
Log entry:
h=2 m=35
